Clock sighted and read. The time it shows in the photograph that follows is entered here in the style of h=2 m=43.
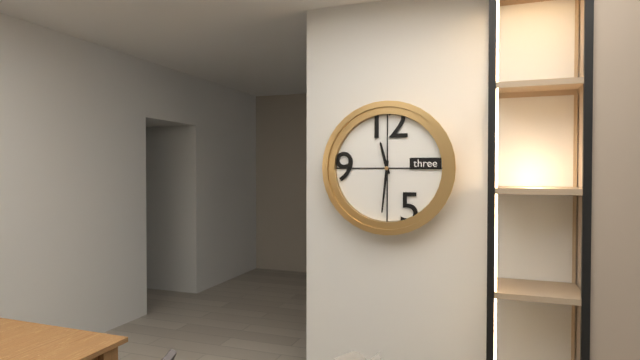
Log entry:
h=11 m=31
